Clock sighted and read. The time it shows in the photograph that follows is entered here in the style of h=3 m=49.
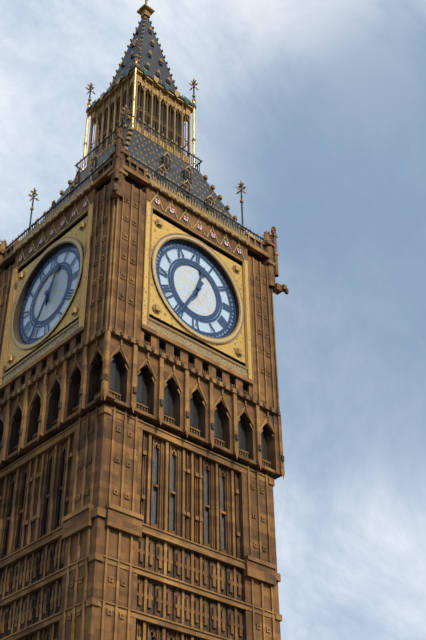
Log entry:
h=12 m=35
